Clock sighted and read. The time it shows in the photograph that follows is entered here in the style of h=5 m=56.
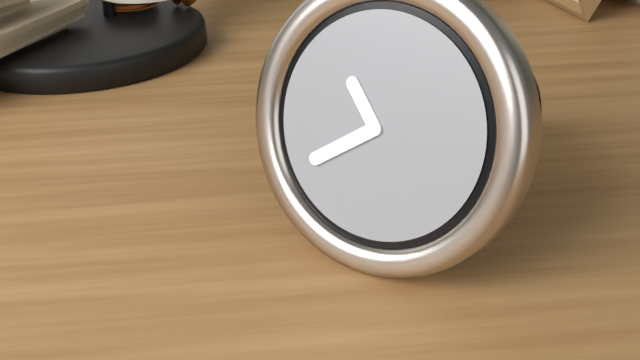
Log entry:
h=10 m=39
